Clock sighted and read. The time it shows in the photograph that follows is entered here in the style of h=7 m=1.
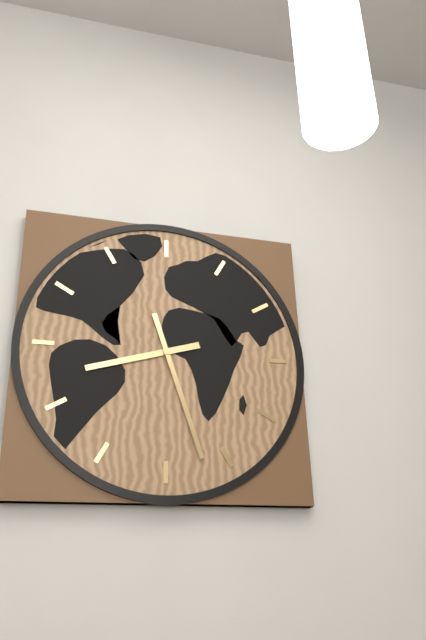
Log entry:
h=8 m=27
